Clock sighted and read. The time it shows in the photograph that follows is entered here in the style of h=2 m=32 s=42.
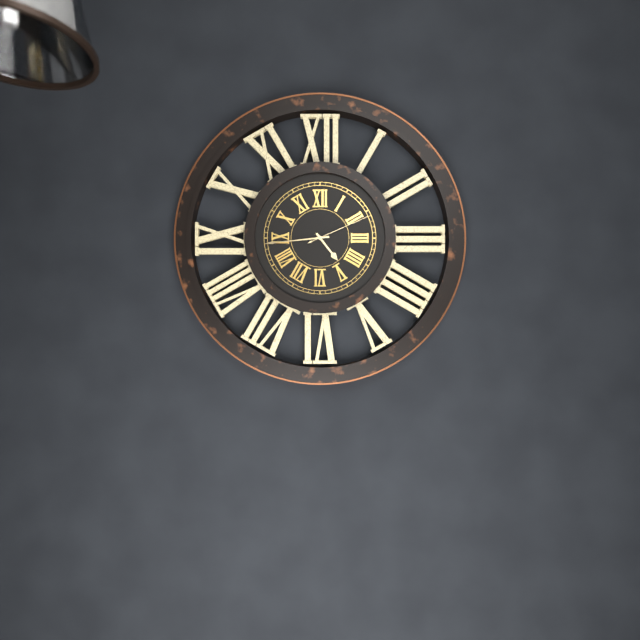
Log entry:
h=4 m=44 s=11
